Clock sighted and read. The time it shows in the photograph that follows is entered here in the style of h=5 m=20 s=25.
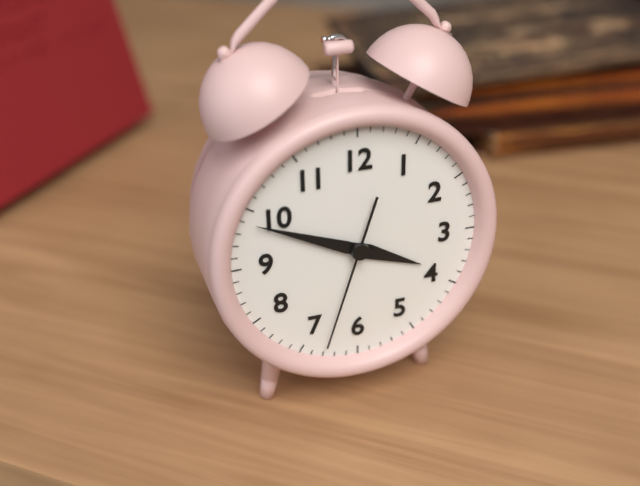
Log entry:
h=3 m=49 s=33
